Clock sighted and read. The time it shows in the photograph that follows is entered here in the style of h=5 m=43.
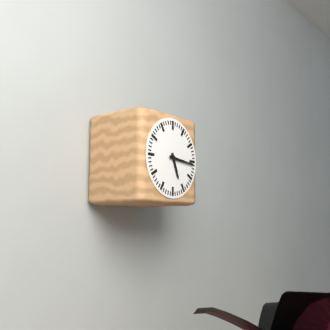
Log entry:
h=5 m=16
